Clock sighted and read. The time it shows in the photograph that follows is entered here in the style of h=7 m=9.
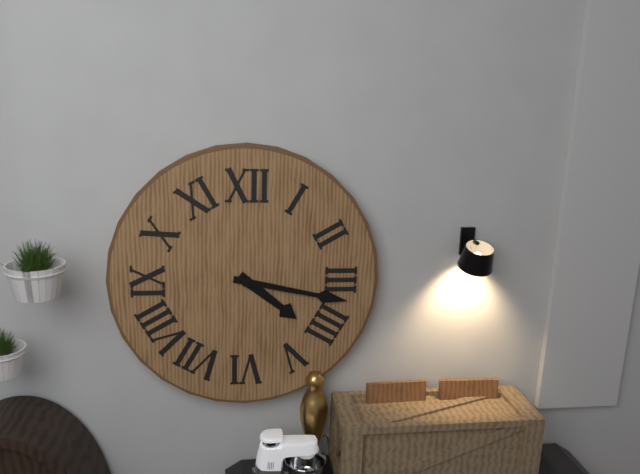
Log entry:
h=4 m=17
